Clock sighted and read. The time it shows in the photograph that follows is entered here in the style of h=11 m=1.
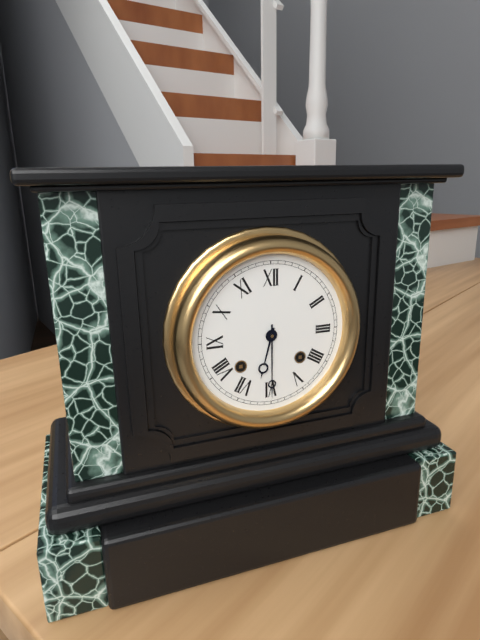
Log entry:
h=6 m=30
